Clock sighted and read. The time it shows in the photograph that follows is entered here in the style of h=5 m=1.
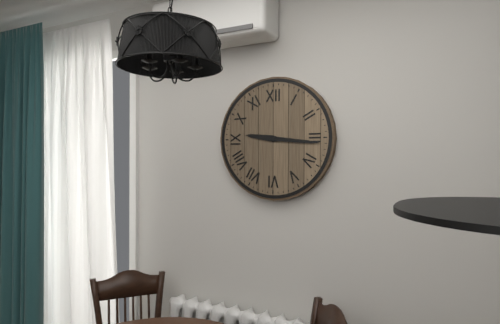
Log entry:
h=9 m=16
